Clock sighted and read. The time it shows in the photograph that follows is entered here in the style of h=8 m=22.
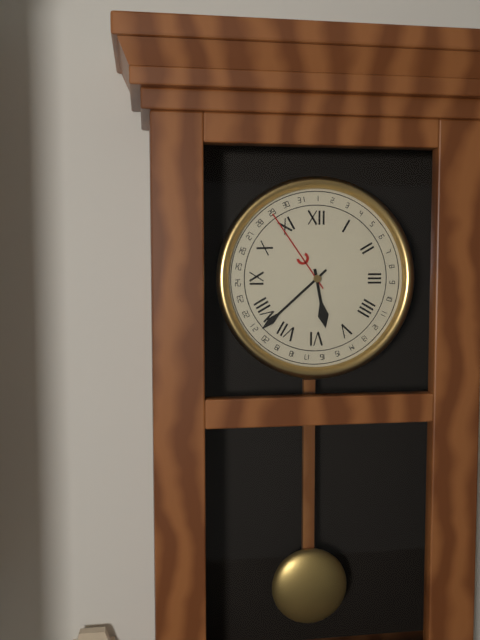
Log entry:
h=5 m=38
